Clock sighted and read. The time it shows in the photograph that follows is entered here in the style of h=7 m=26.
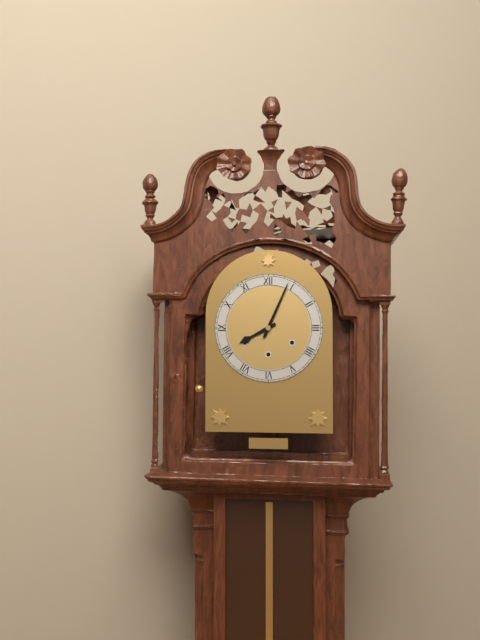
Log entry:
h=8 m=4
